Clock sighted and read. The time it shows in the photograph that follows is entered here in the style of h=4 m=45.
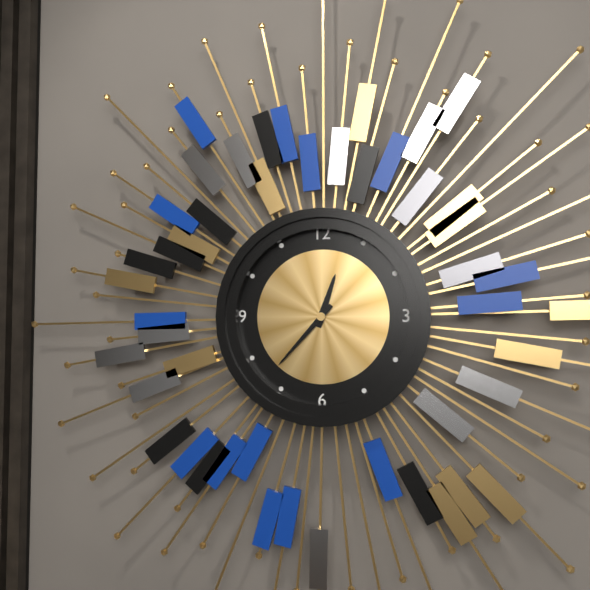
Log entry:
h=12 m=37
